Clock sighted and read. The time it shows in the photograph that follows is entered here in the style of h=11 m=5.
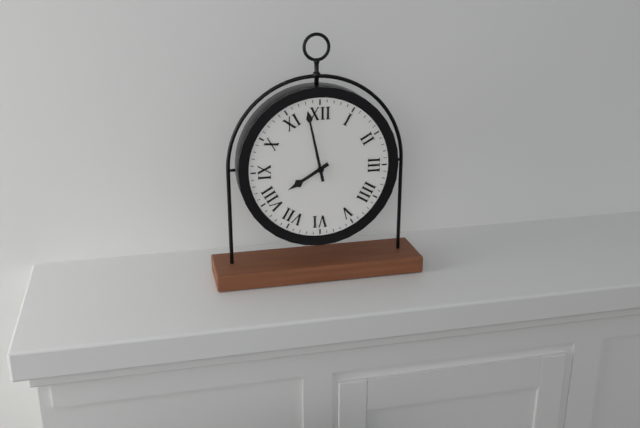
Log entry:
h=7 m=58
